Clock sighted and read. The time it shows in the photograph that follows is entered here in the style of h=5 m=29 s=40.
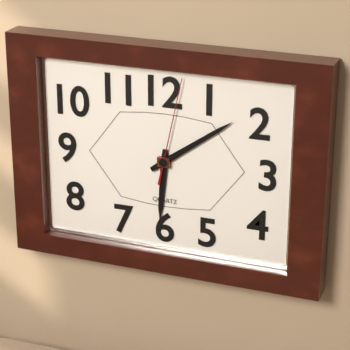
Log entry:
h=6 m=9 s=2
